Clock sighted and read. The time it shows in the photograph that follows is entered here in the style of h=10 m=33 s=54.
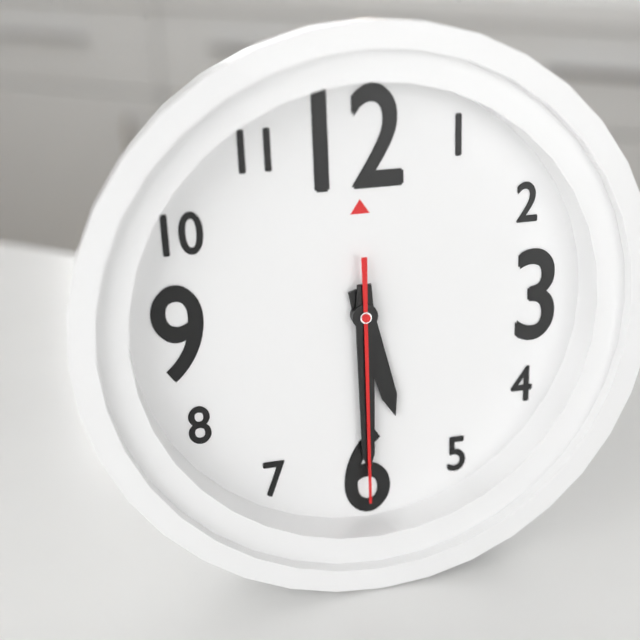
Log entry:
h=5 m=30 s=30
